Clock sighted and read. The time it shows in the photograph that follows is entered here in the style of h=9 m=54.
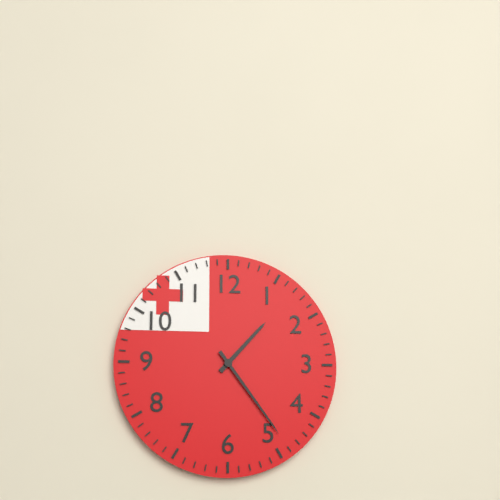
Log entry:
h=1 m=24
